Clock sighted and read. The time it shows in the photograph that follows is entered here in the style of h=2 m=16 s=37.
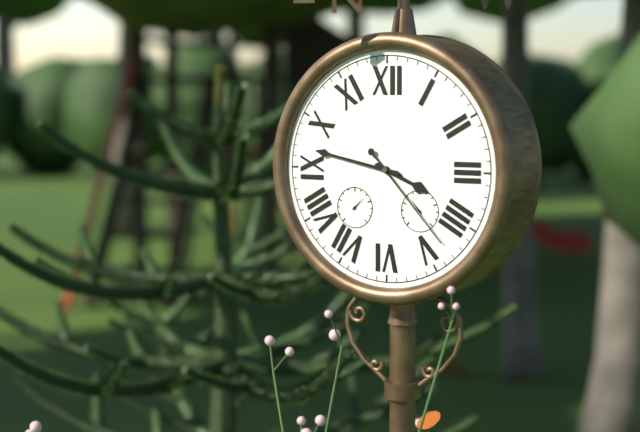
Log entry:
h=3 m=47 s=23
